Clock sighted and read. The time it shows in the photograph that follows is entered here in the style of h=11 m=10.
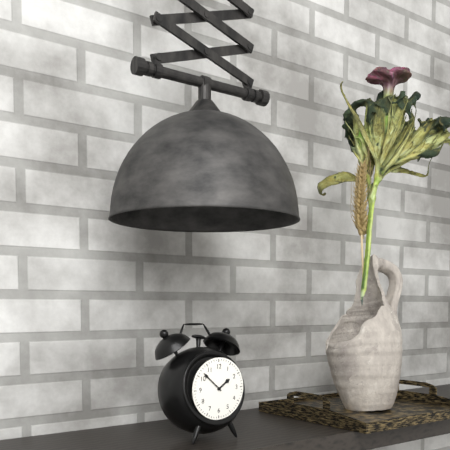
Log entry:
h=1 m=52
